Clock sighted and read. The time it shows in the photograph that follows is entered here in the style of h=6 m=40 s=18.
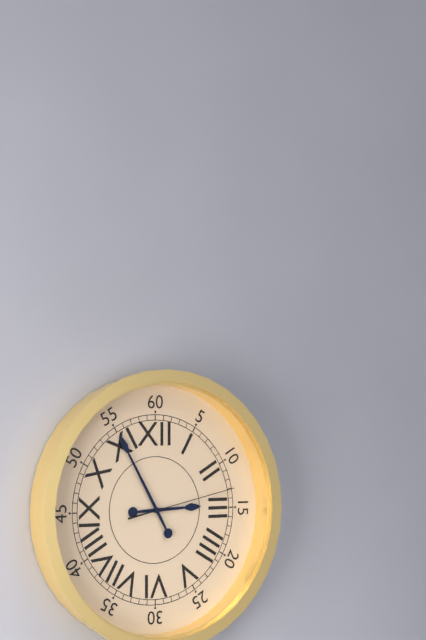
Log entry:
h=2 m=55 s=13
